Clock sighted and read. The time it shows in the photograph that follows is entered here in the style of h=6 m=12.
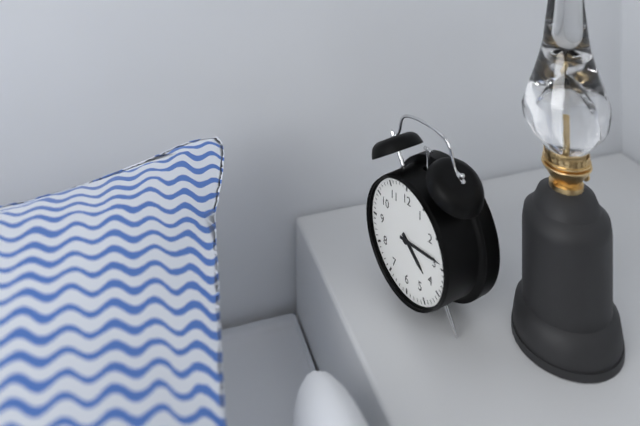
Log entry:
h=4 m=14
